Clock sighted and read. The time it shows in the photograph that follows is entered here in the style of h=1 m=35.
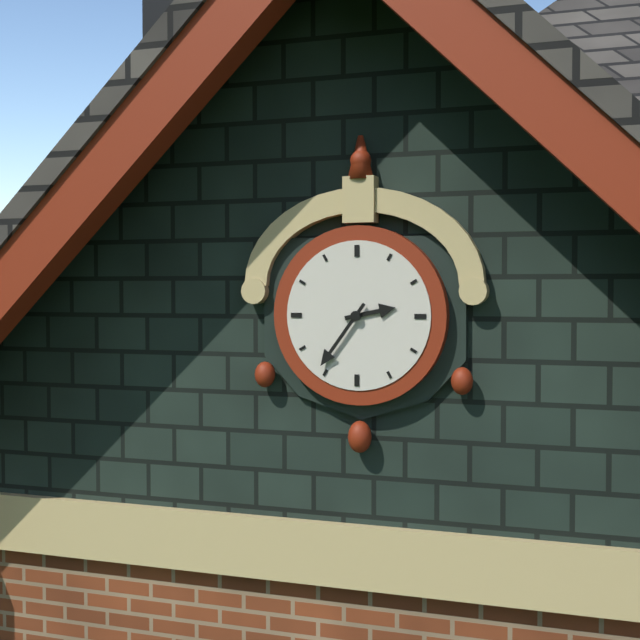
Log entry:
h=2 m=36
